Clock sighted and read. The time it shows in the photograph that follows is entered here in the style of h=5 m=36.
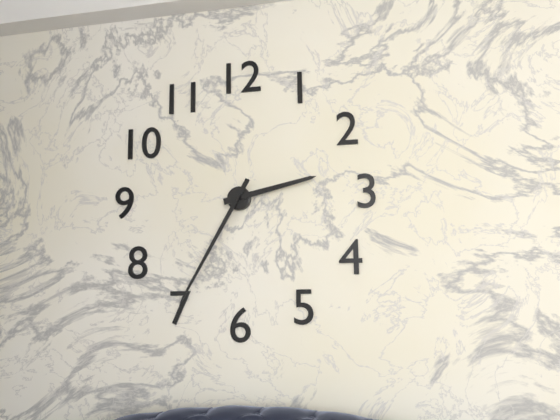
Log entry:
h=2 m=35
